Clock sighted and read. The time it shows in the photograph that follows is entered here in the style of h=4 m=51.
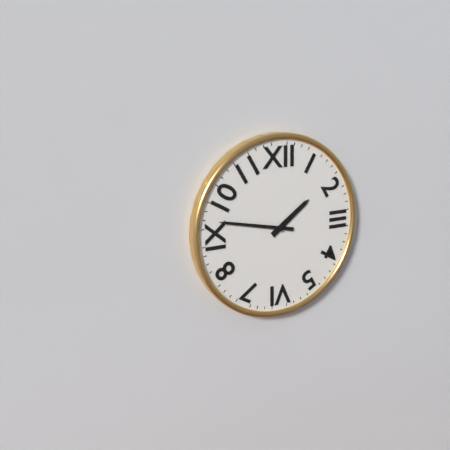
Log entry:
h=1 m=47
